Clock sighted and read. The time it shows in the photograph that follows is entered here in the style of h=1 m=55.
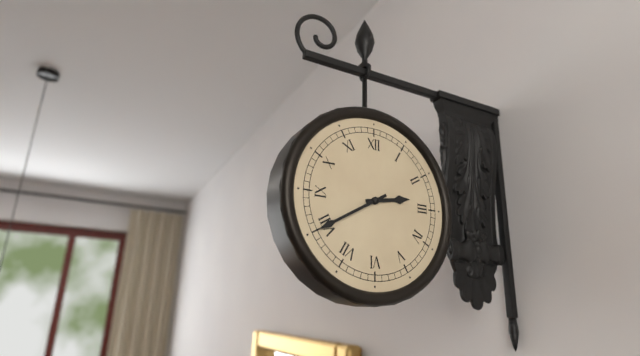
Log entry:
h=2 m=40
